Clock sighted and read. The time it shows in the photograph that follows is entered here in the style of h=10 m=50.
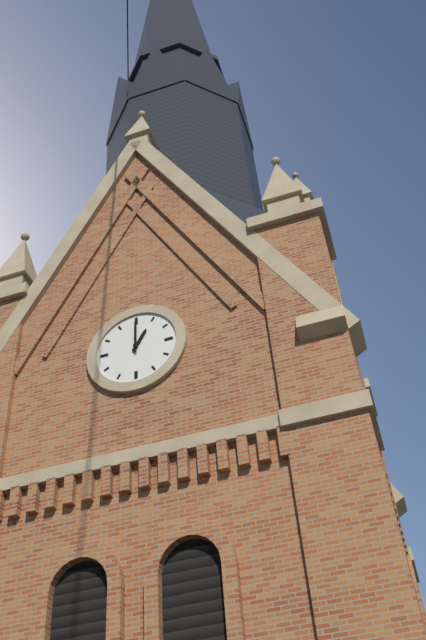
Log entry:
h=1 m=0
